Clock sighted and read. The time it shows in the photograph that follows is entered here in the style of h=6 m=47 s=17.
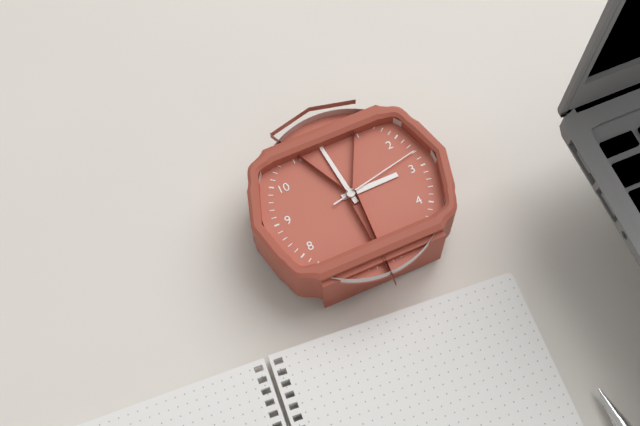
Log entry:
h=2 m=59 s=13
